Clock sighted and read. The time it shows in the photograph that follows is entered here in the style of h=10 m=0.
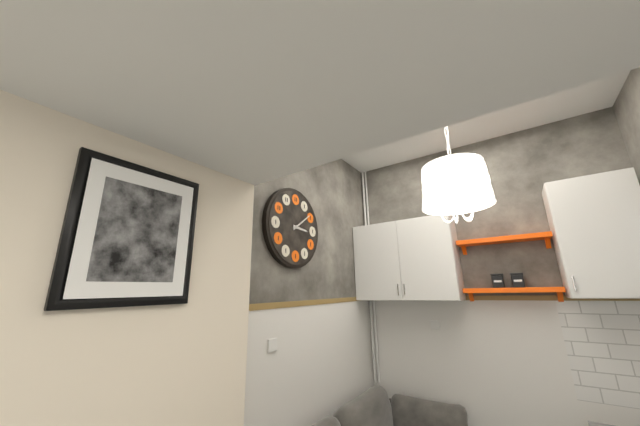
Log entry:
h=3 m=9
